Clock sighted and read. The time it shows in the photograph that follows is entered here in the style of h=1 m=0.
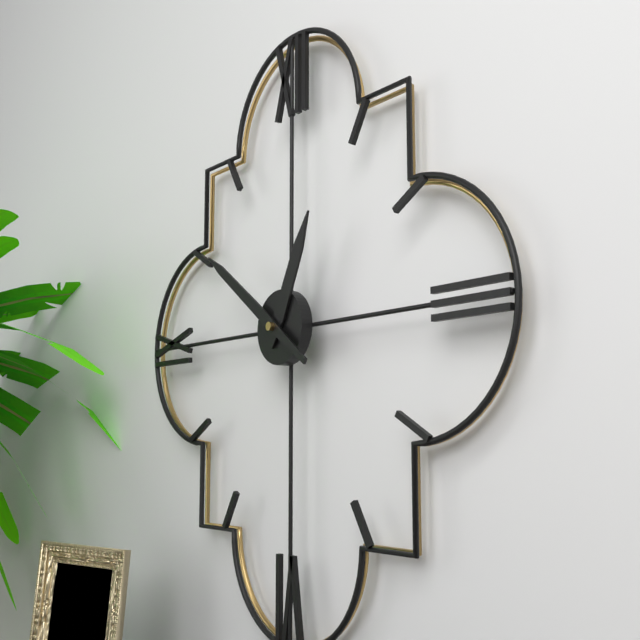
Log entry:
h=12 m=51
